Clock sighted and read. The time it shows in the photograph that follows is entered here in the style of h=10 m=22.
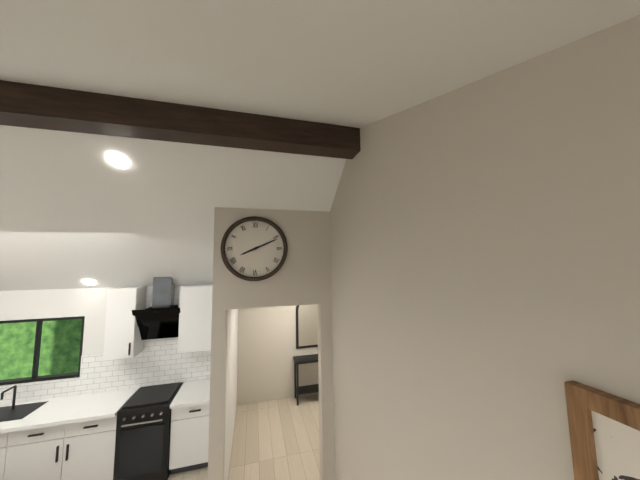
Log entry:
h=8 m=11
